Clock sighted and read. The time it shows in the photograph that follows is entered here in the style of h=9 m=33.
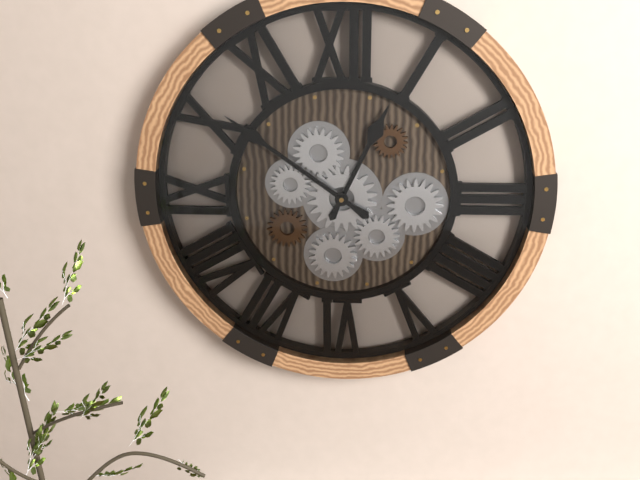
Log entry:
h=12 m=51
